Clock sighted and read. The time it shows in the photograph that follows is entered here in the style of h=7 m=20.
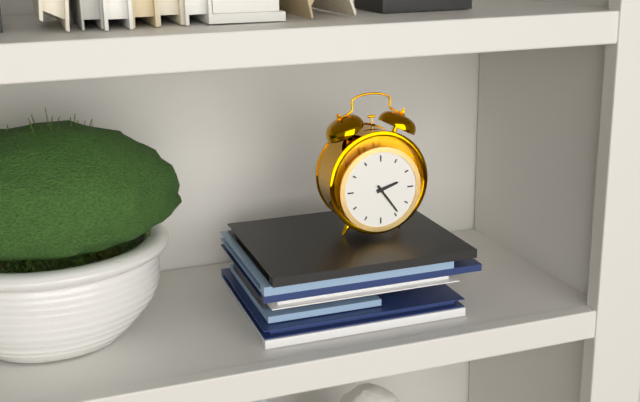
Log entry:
h=2 m=24
